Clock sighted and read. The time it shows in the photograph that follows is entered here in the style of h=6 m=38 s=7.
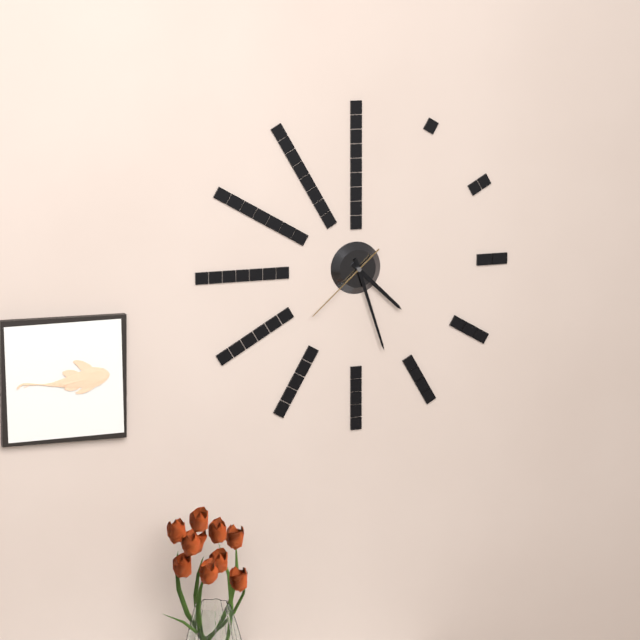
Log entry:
h=4 m=27 s=38
